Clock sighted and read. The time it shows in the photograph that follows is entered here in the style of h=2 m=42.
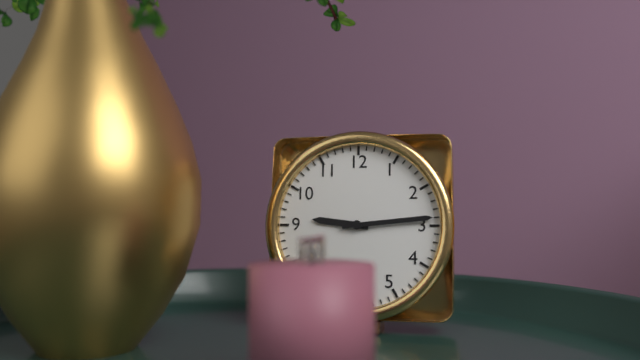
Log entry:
h=9 m=14
